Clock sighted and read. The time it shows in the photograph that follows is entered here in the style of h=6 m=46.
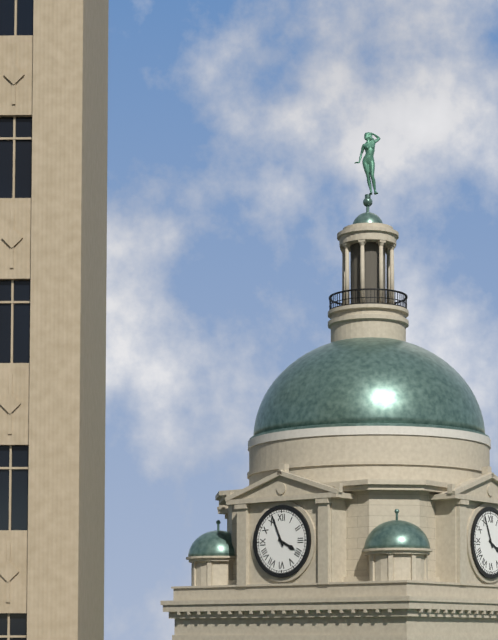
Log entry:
h=3 m=56
